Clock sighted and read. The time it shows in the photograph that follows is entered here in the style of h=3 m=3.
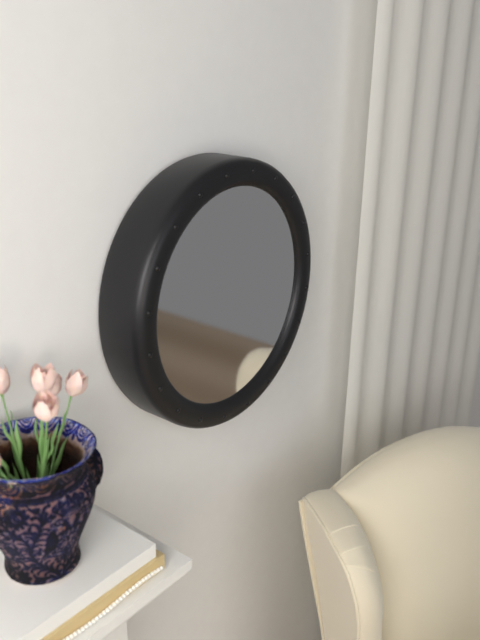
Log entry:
h=12 m=18
